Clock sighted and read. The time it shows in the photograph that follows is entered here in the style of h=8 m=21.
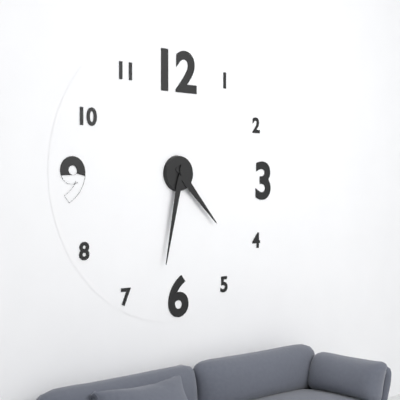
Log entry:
h=4 m=32
